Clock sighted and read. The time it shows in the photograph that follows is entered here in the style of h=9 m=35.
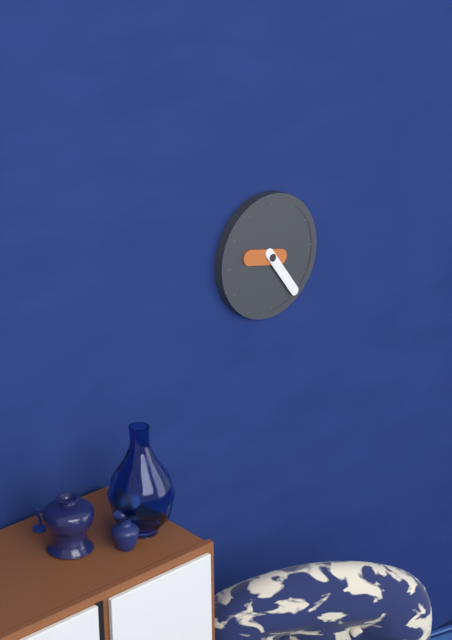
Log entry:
h=9 m=24
